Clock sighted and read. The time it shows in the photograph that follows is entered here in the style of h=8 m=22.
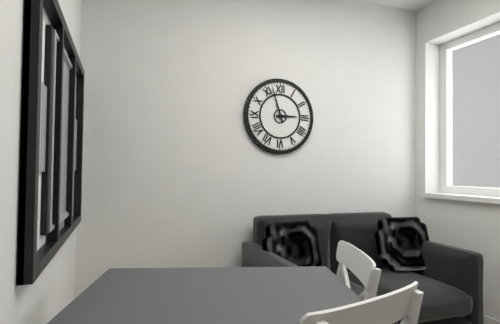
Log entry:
h=2 m=57
